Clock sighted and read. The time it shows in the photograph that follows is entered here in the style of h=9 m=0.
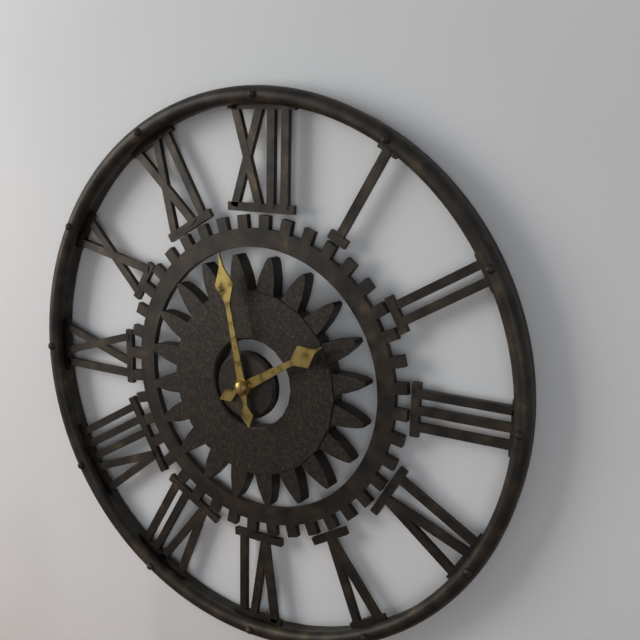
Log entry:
h=1 m=58
